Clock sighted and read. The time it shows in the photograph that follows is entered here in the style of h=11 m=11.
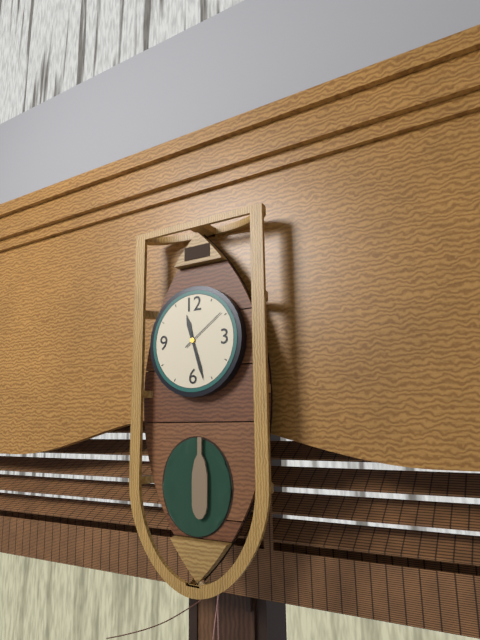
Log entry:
h=11 m=27
